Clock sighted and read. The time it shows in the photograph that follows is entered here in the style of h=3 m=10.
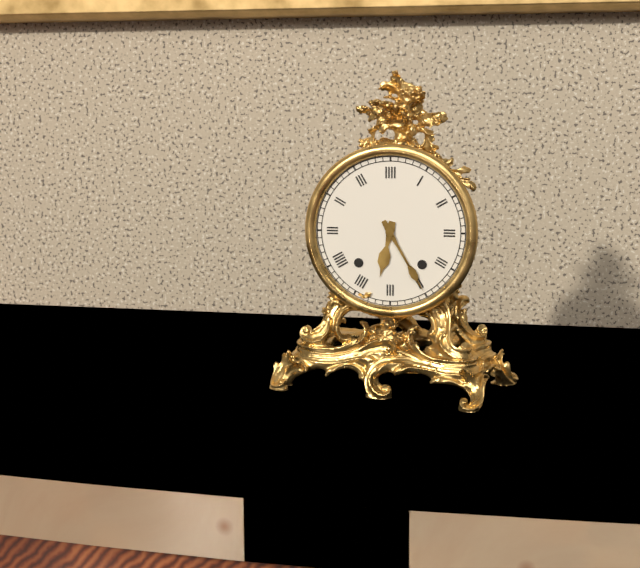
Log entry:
h=6 m=25
